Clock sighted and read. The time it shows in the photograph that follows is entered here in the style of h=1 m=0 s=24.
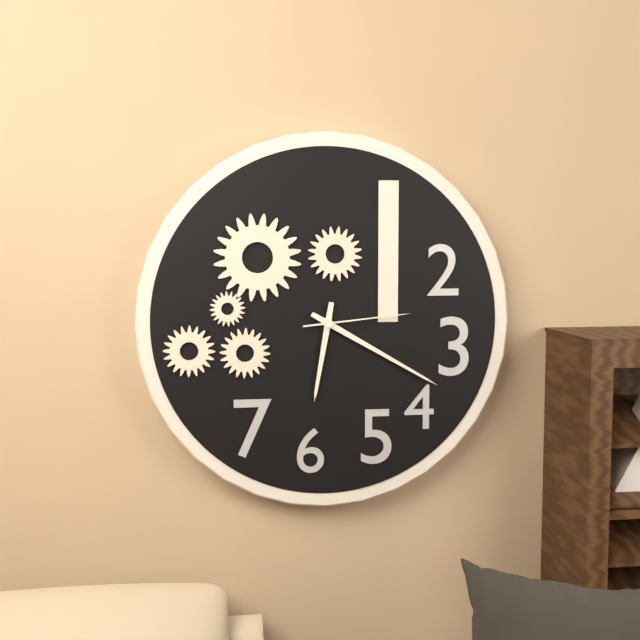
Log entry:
h=6 m=20 s=14
